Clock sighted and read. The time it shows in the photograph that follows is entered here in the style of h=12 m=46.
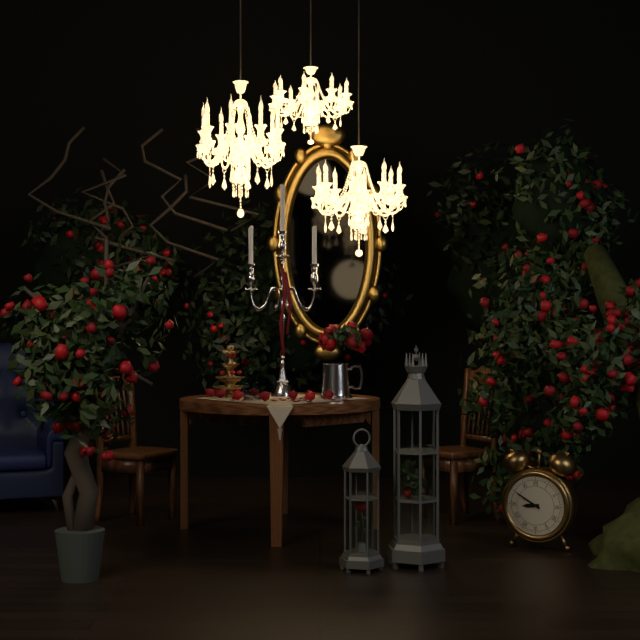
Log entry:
h=8 m=50
